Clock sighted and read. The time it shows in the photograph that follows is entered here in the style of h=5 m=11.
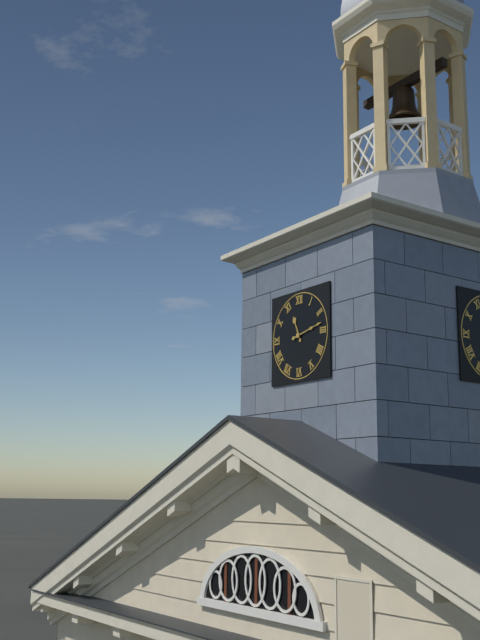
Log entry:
h=11 m=13
